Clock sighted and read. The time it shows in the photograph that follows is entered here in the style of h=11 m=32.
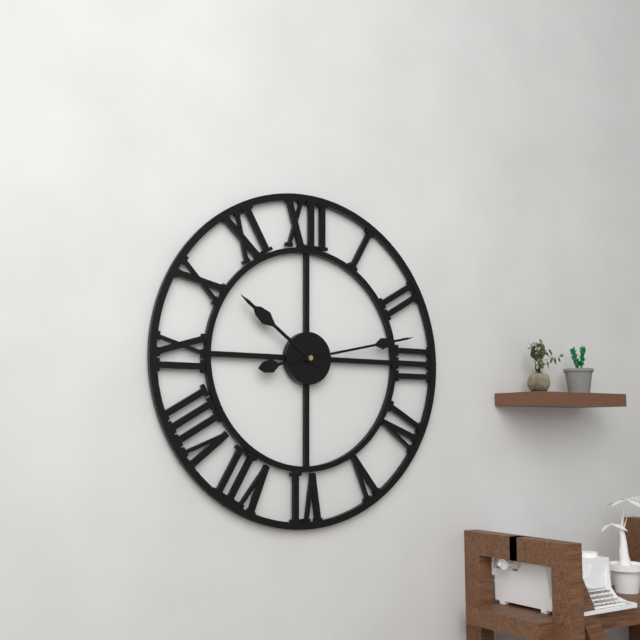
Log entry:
h=10 m=13
